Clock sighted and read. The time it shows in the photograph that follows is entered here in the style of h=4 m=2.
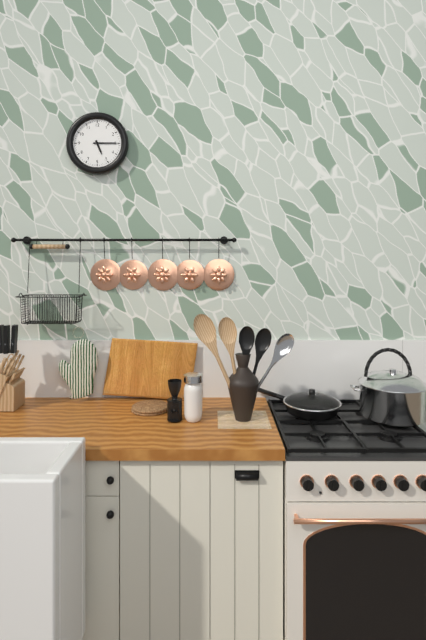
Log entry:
h=5 m=15
